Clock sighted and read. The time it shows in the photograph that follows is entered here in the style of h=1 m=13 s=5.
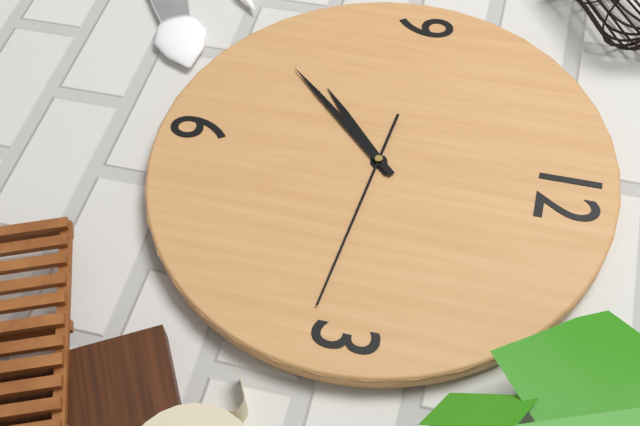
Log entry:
h=7 m=37 s=16
